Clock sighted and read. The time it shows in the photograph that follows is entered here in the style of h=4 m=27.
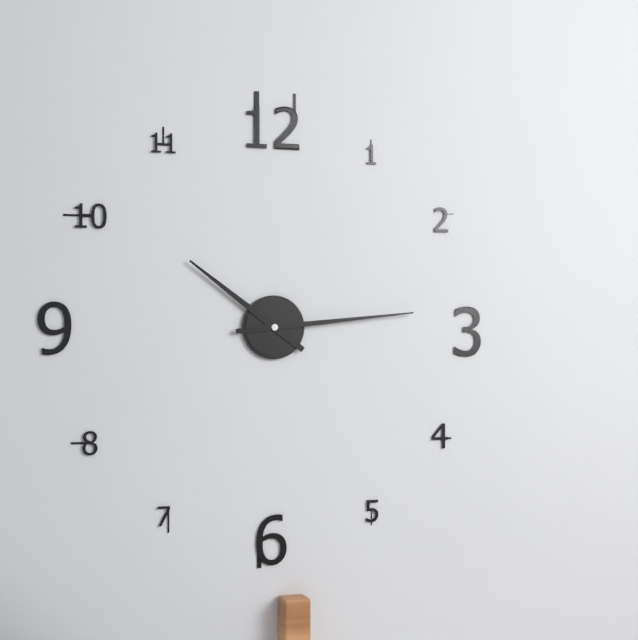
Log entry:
h=10 m=14
